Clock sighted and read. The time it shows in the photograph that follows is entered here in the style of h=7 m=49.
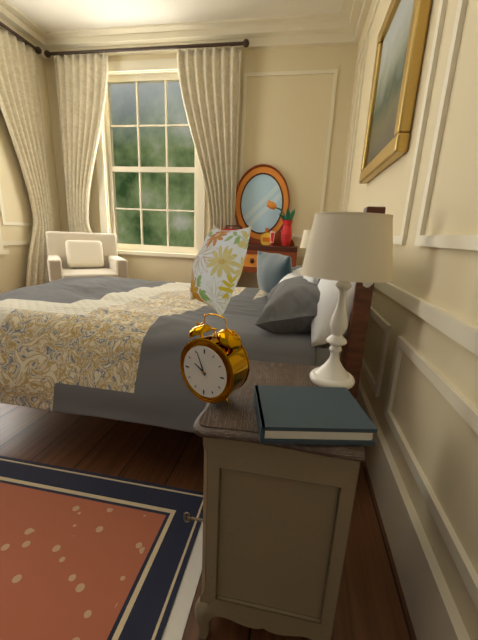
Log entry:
h=9 m=56
